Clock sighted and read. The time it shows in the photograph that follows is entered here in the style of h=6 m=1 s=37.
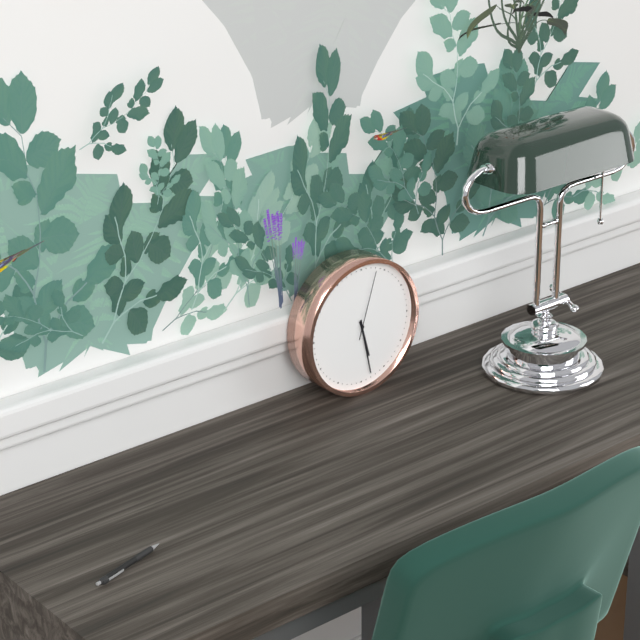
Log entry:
h=5 m=28 s=3
